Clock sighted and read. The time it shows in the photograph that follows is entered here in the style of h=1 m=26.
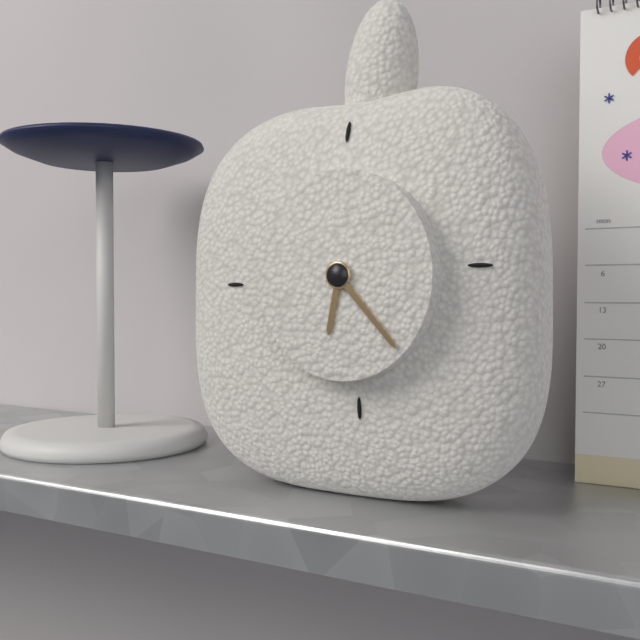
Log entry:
h=6 m=23
